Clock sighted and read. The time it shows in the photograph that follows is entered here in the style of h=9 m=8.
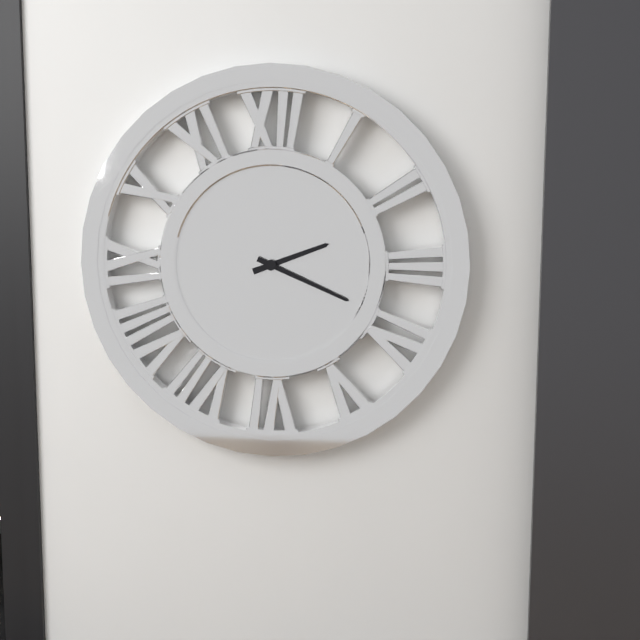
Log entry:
h=2 m=19
